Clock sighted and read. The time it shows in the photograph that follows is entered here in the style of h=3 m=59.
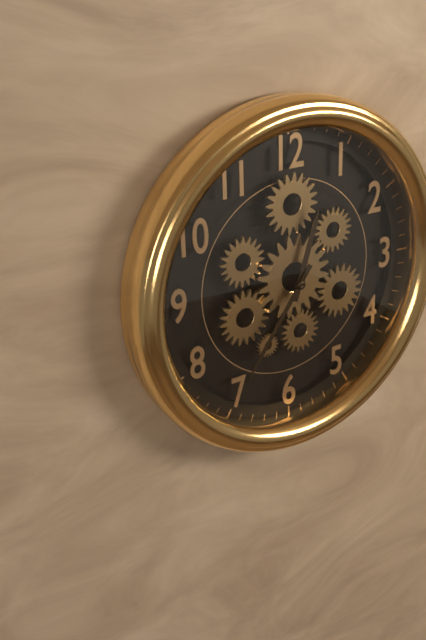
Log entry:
h=12 m=36
